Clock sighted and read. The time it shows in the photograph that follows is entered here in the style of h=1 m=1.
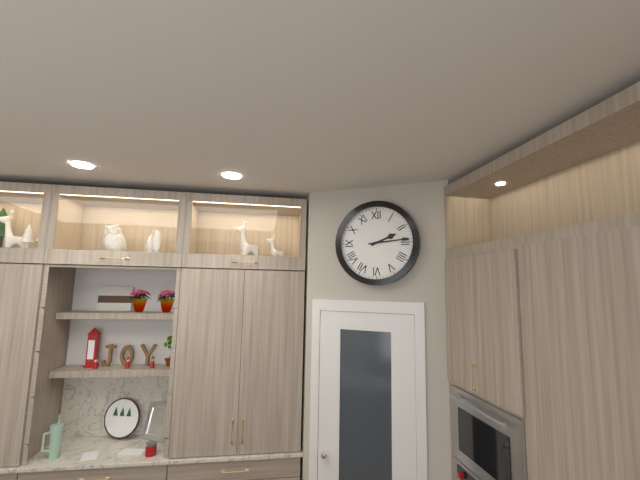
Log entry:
h=2 m=14
